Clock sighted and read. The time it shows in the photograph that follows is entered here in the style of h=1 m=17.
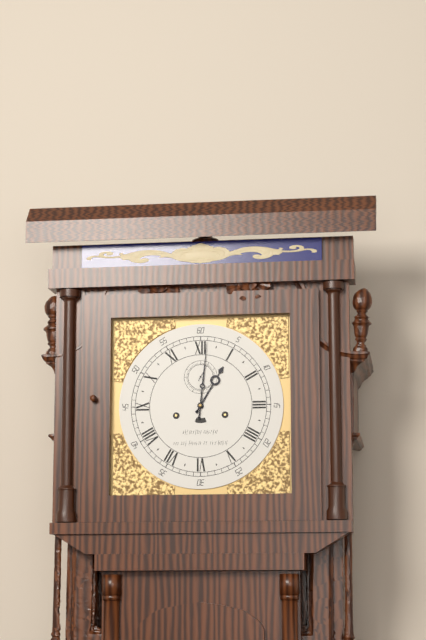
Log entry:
h=1 m=1
